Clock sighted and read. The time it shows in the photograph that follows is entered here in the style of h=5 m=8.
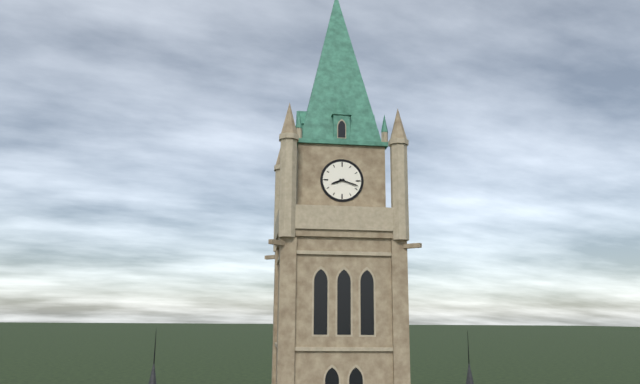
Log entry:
h=8 m=18
